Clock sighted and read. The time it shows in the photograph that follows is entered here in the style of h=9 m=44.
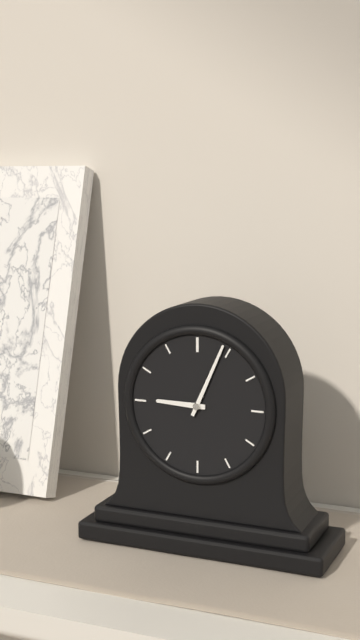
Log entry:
h=9 m=4
